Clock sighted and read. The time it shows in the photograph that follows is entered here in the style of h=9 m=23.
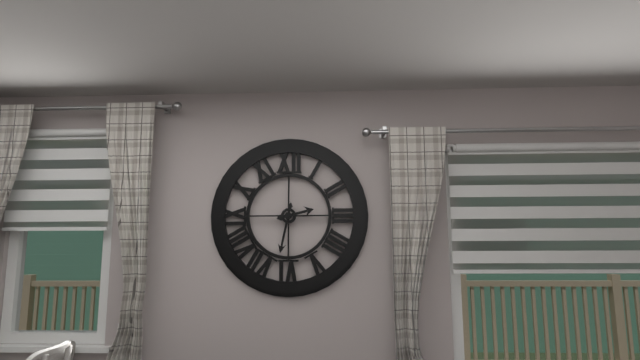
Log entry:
h=2 m=32
